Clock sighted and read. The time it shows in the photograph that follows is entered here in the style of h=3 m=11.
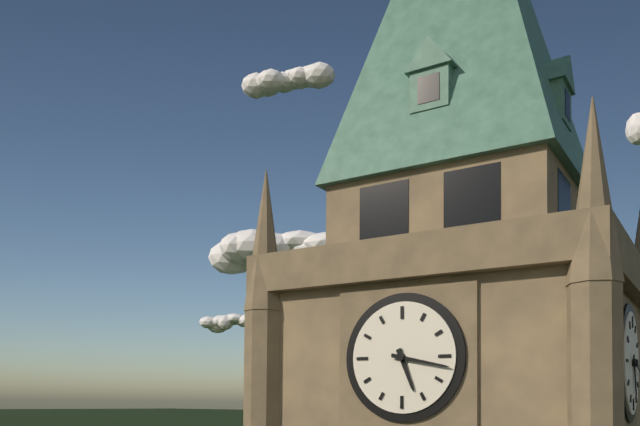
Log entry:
h=5 m=17
